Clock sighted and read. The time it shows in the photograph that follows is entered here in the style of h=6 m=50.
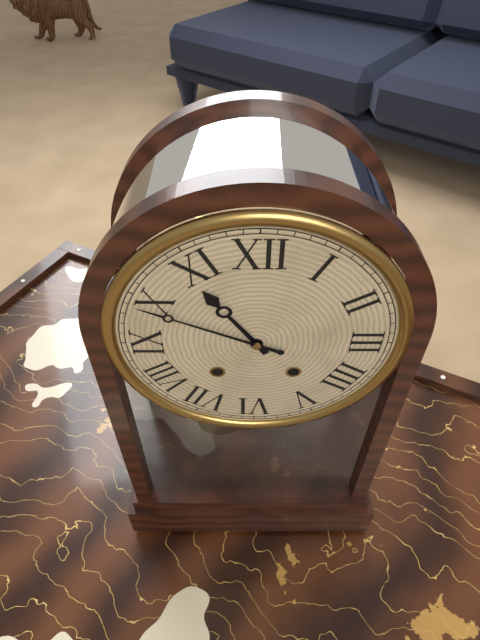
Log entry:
h=10 m=49
